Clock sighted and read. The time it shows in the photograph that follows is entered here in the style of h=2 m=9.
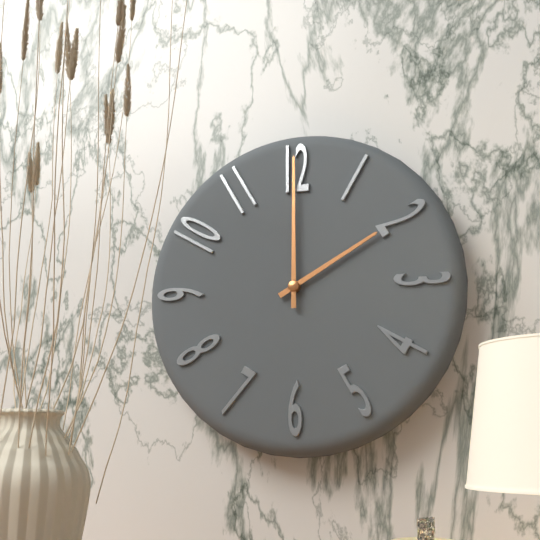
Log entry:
h=2 m=0
